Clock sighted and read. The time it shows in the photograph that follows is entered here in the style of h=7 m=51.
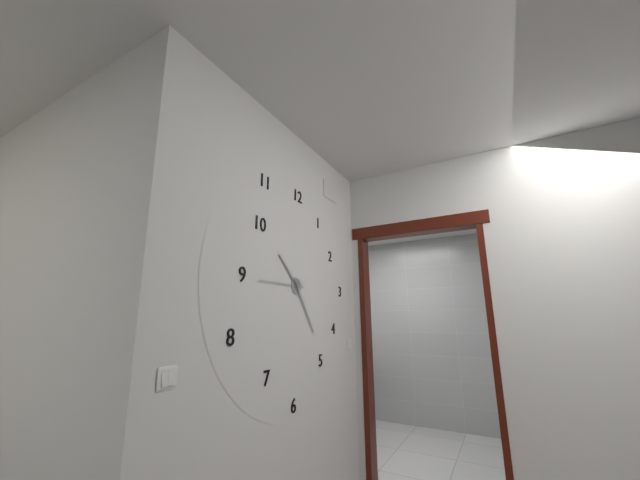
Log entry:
h=10 m=24
